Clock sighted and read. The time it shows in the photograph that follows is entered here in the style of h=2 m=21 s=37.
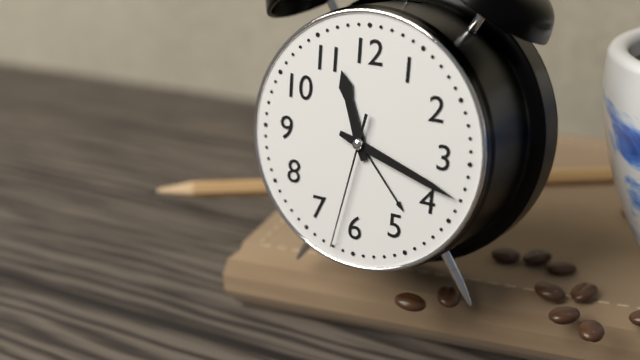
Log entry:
h=11 m=18 s=32
